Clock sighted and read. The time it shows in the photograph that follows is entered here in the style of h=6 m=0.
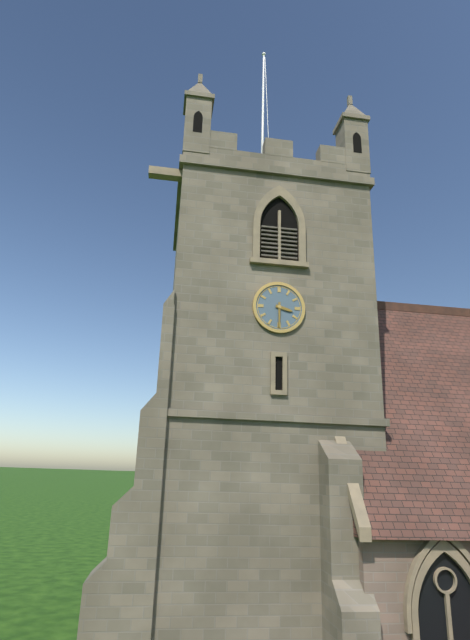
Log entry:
h=3 m=30
